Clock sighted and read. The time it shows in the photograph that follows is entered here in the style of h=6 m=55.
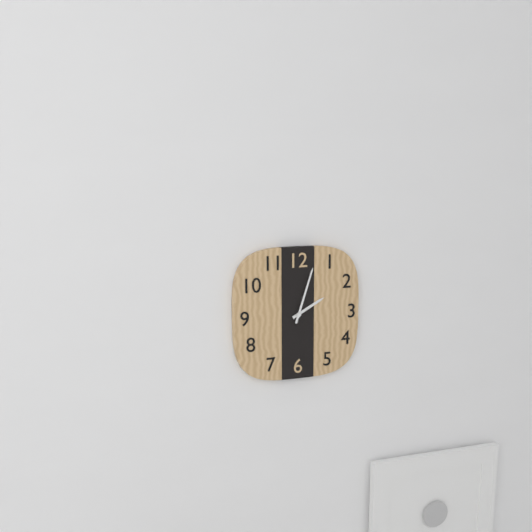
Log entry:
h=2 m=3
